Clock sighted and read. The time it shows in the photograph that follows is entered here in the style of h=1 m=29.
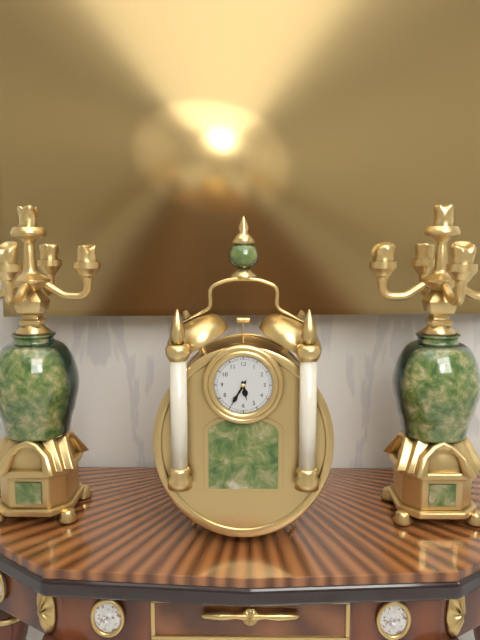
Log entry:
h=5 m=35
